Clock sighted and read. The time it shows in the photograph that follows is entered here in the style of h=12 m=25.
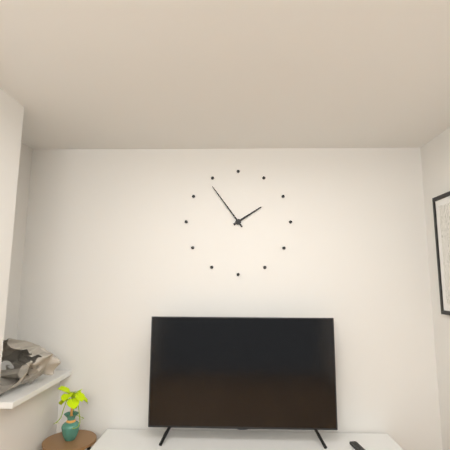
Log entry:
h=1 m=54
